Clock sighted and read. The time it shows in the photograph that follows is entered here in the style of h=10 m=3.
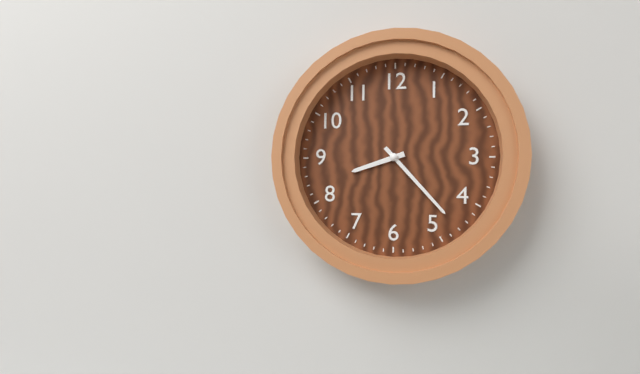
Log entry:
h=8 m=23
